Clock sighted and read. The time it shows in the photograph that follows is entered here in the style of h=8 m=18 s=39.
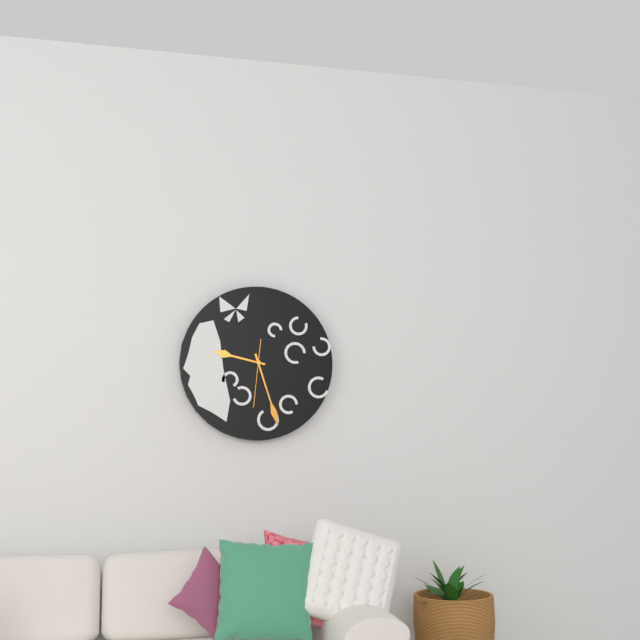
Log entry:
h=9 m=27 s=31
